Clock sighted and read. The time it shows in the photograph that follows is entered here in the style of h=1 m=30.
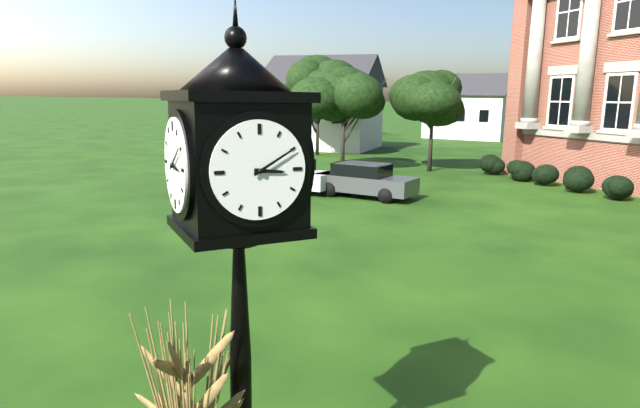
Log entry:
h=3 m=10
